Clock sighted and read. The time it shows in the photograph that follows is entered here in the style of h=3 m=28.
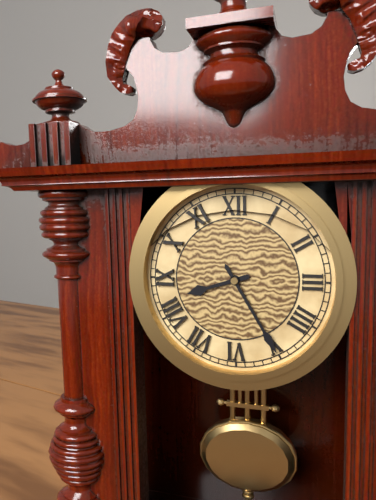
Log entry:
h=8 m=25
